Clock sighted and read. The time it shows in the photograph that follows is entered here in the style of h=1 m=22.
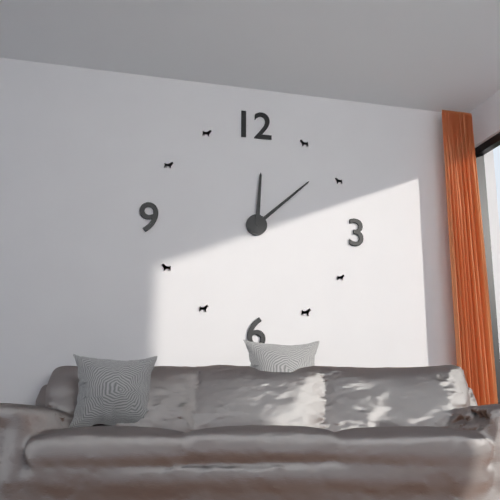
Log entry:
h=12 m=8
